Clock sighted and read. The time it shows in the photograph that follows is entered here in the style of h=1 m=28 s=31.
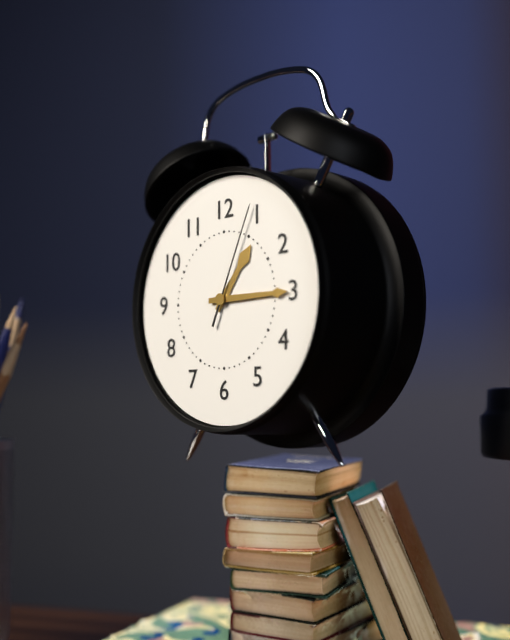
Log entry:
h=1 m=15 s=4
